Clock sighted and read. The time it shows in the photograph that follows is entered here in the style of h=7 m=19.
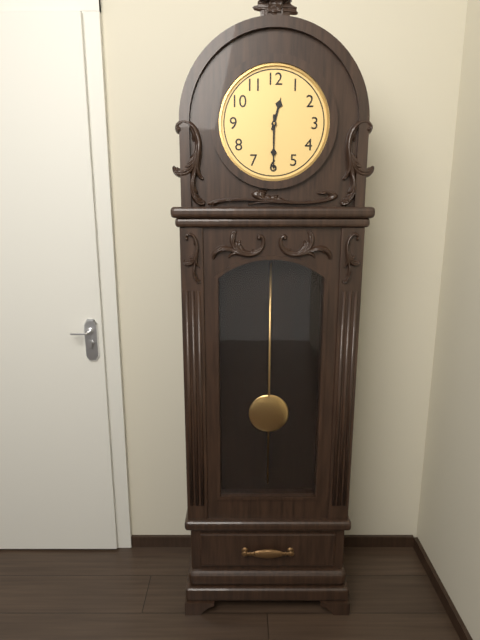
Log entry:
h=12 m=30
